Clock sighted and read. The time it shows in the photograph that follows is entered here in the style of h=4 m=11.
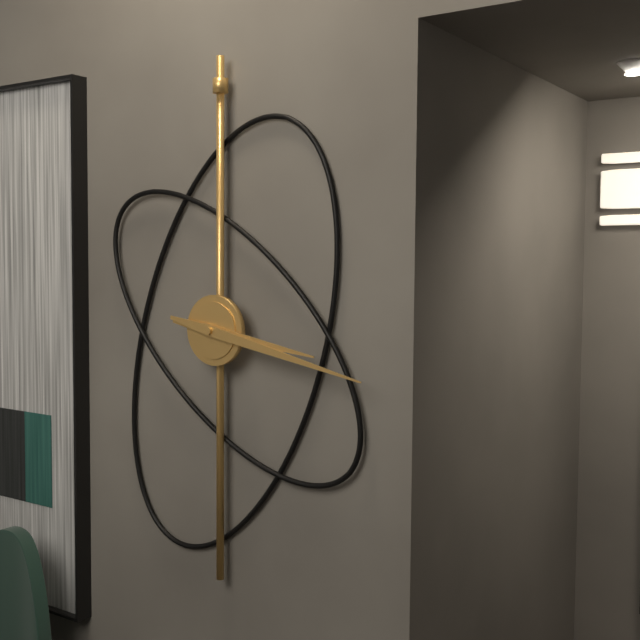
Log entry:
h=3 m=17
